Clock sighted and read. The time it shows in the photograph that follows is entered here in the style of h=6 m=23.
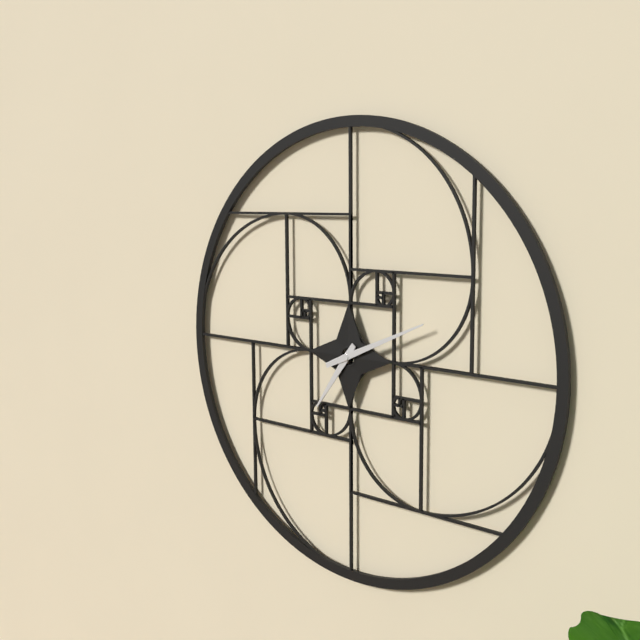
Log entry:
h=7 m=11
